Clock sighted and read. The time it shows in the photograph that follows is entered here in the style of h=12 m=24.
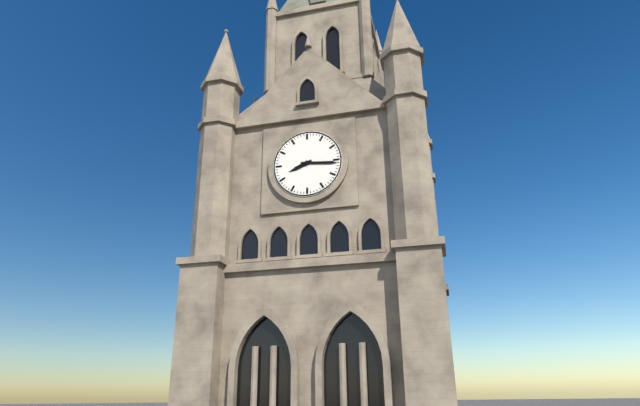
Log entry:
h=8 m=16
